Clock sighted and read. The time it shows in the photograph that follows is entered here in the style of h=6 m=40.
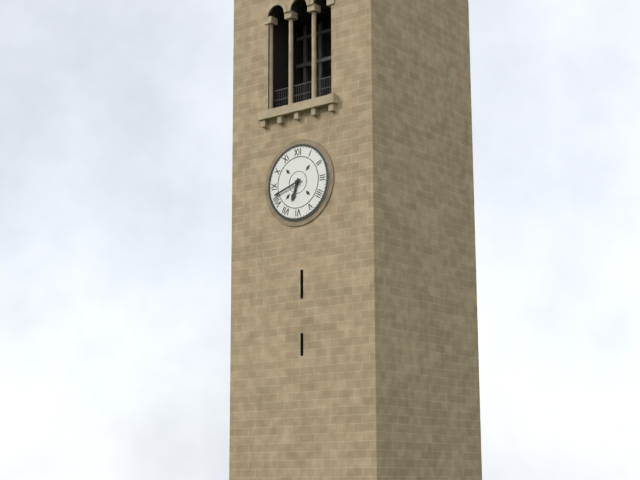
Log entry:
h=6 m=42
